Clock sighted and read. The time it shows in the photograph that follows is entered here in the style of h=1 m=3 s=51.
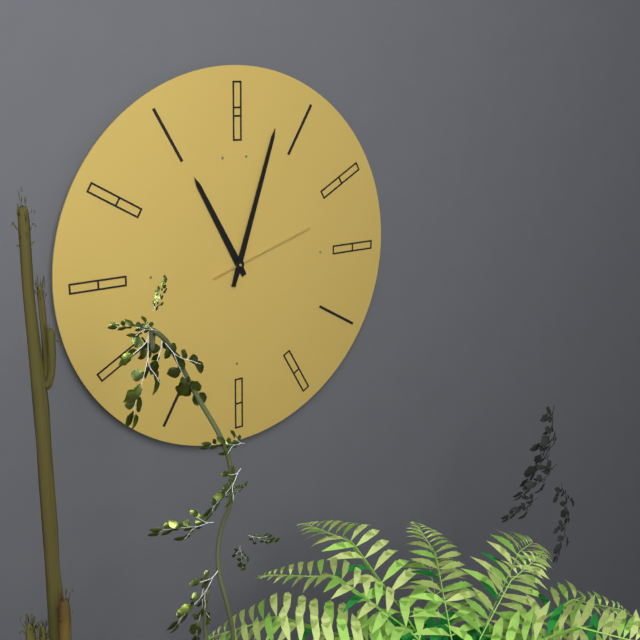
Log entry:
h=11 m=3 s=12
